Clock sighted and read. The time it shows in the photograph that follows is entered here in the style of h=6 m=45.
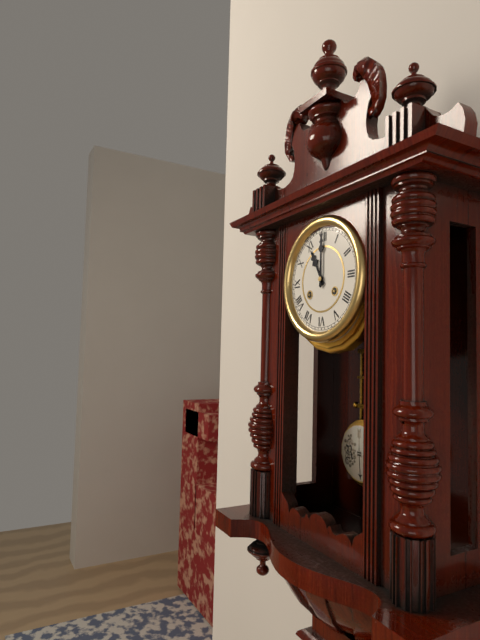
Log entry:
h=11 m=0
